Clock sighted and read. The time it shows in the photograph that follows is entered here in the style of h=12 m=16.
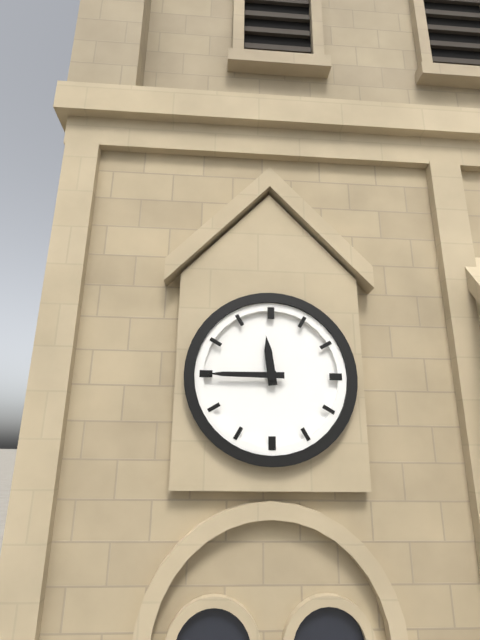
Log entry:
h=11 m=45
